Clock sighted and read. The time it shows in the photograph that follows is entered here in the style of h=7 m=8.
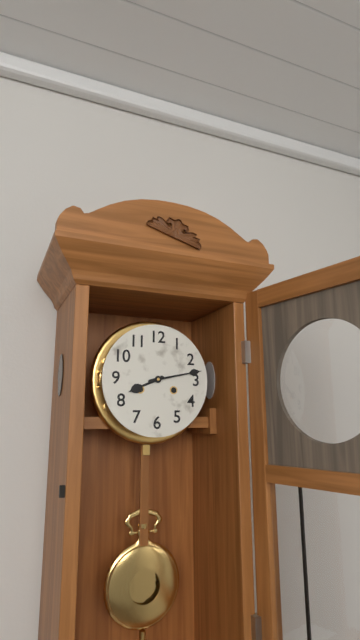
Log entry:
h=8 m=13
